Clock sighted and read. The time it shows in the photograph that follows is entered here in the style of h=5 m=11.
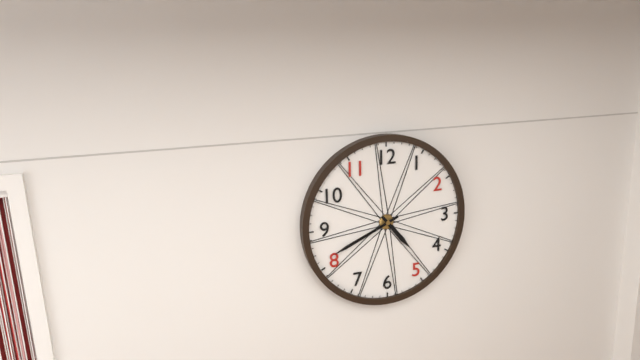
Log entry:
h=4 m=41
